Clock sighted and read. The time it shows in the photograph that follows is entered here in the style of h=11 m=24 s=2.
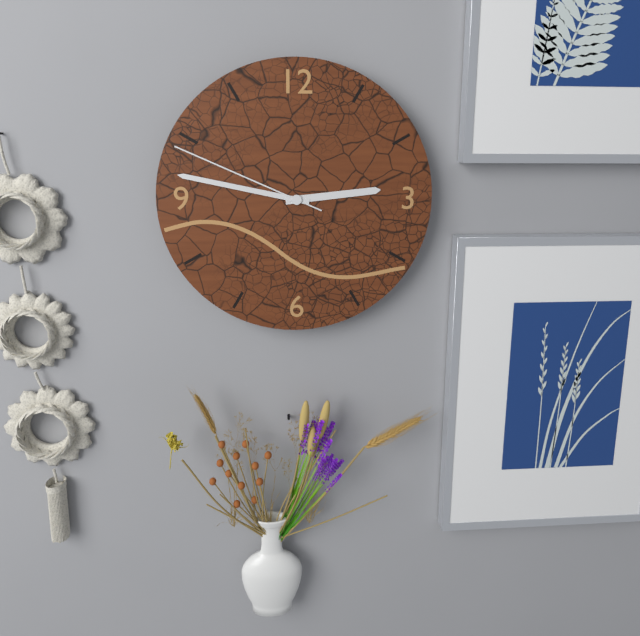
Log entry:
h=2 m=47 s=49
